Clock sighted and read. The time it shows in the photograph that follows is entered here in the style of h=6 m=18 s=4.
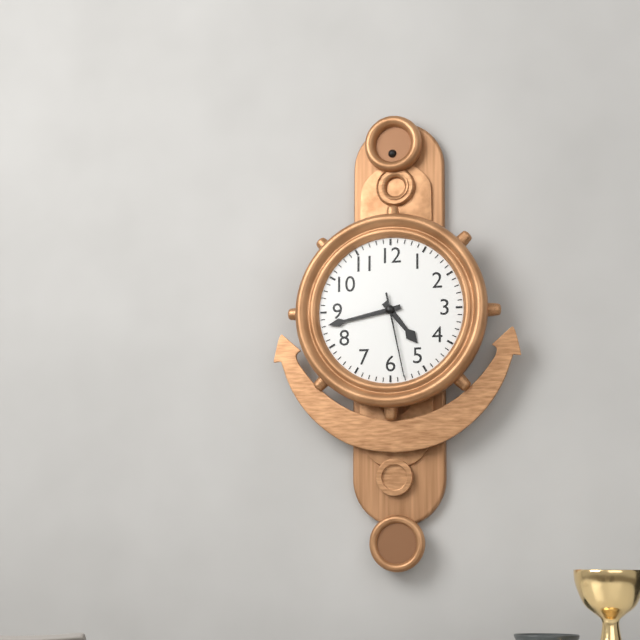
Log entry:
h=4 m=43 s=28
